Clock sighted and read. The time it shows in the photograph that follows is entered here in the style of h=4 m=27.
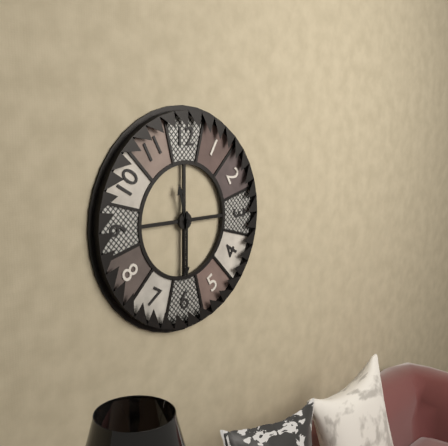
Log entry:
h=11 m=30
